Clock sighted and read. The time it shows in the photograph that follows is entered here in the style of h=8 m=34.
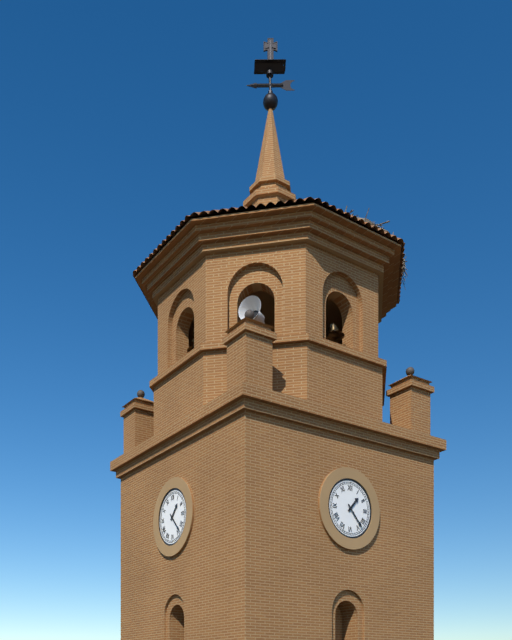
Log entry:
h=1 m=23
